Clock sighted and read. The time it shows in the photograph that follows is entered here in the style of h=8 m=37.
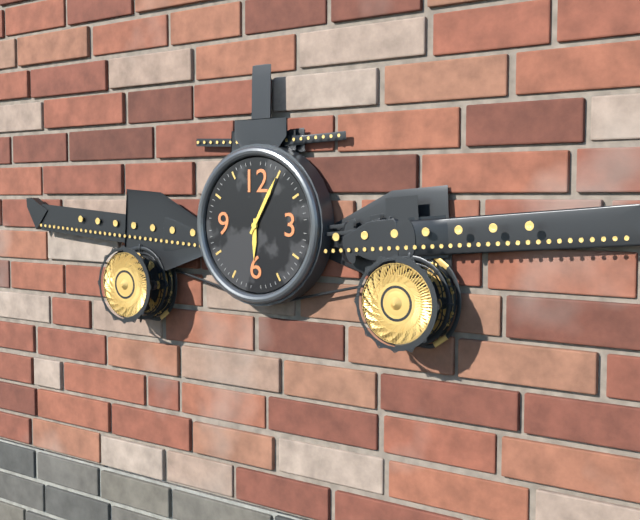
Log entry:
h=6 m=5
